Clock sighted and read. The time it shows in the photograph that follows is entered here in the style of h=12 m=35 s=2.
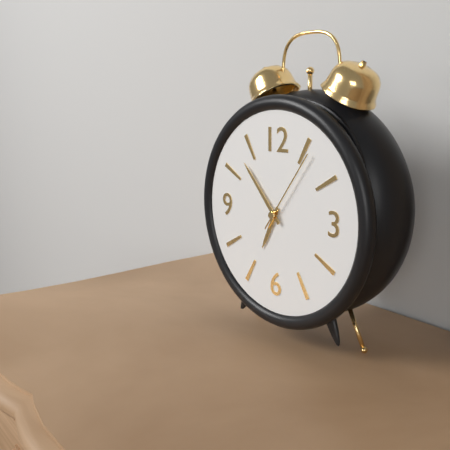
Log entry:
h=6 m=53 s=6
